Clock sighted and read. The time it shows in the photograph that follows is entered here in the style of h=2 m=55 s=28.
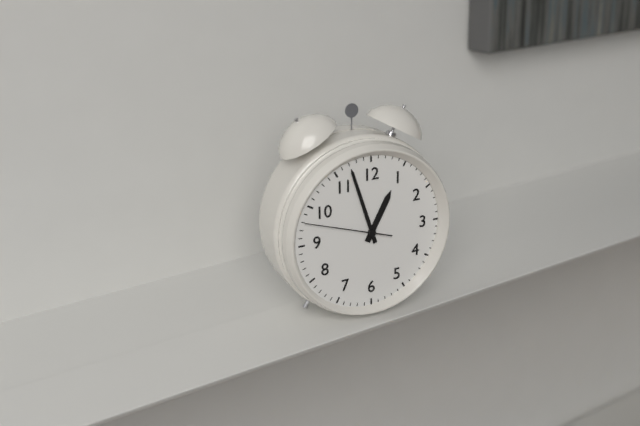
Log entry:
h=12 m=57 s=48
